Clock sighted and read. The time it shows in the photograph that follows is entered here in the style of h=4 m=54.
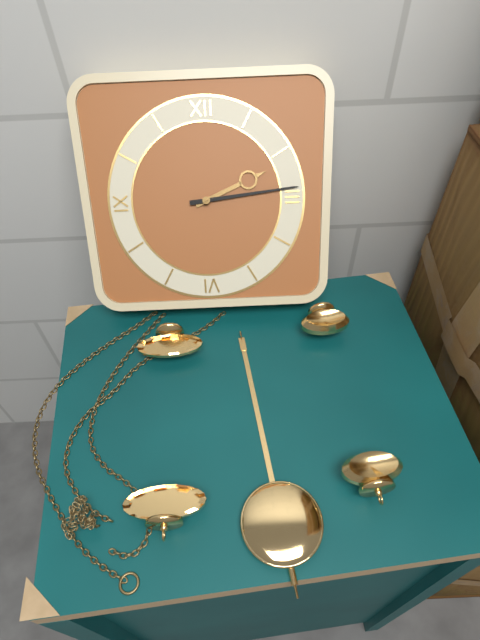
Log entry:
h=2 m=14
